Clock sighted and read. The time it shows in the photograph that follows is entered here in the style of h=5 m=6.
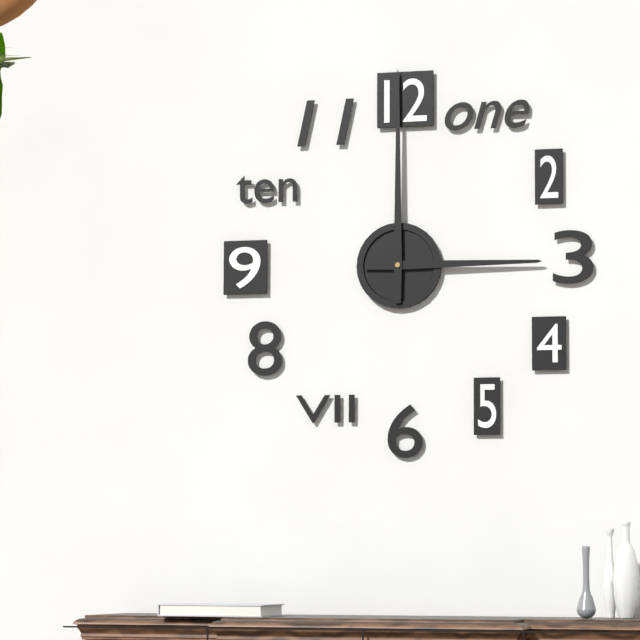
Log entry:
h=3 m=0
